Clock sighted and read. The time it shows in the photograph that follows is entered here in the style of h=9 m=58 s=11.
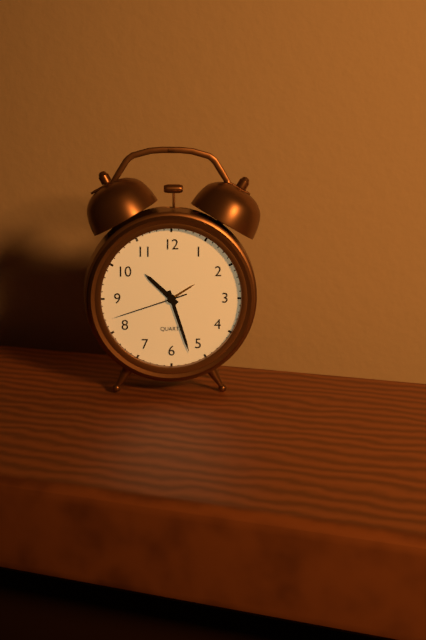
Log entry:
h=10 m=27 s=42
